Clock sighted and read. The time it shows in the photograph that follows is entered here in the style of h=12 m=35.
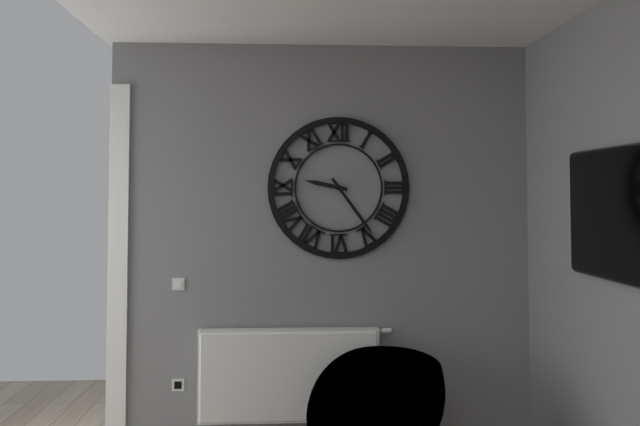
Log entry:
h=9 m=24
